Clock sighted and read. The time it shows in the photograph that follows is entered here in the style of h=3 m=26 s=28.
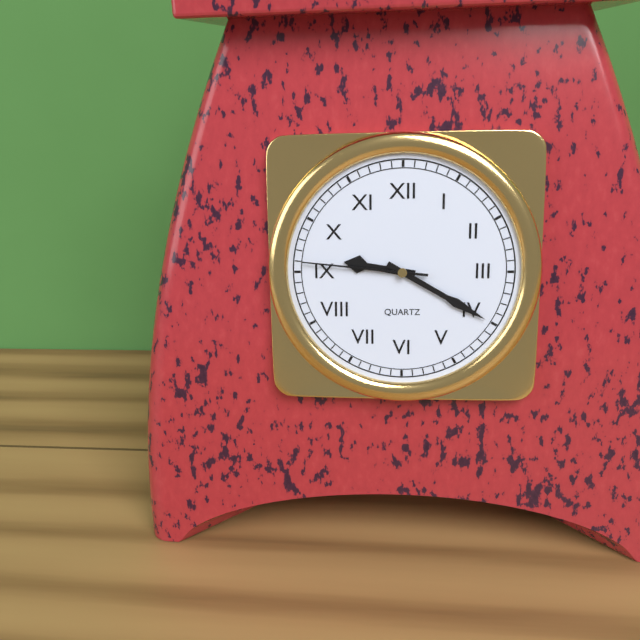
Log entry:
h=9 m=20 s=46
